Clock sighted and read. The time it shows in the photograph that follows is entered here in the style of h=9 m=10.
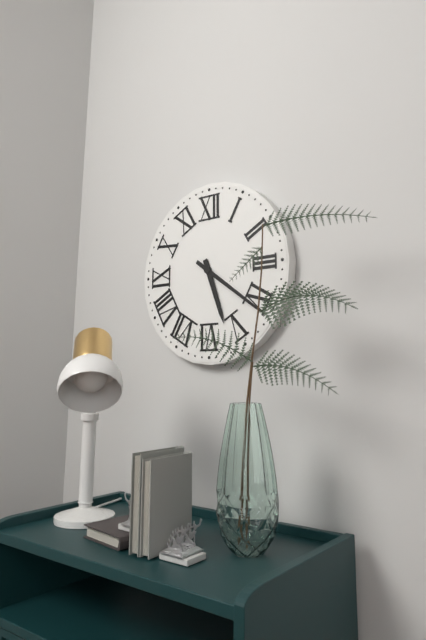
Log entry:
h=5 m=21
